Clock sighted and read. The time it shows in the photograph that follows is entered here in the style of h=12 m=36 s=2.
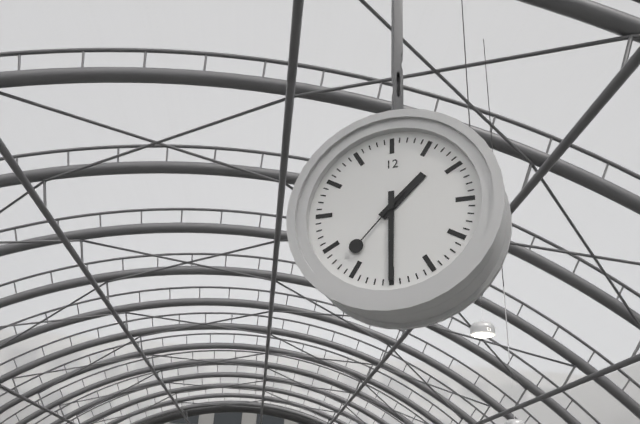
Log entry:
h=1 m=30 s=37
